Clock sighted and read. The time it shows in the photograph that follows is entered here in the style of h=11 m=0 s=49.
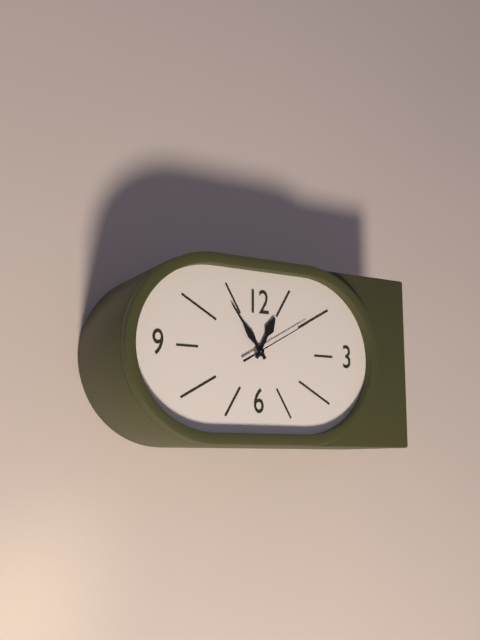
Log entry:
h=12 m=54 s=10
